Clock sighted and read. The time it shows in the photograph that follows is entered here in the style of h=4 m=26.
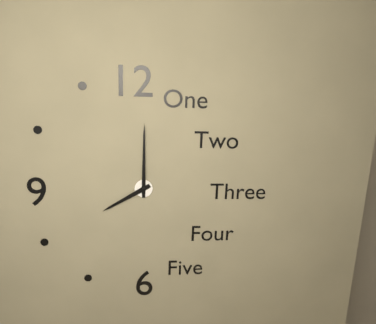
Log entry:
h=8 m=0
